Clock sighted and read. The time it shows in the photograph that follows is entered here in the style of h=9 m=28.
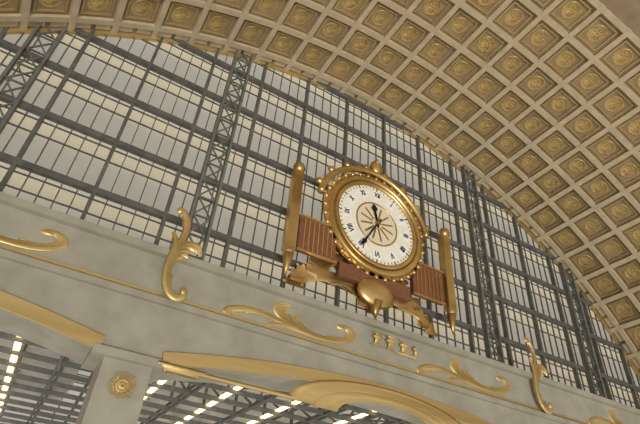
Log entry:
h=11 m=35
